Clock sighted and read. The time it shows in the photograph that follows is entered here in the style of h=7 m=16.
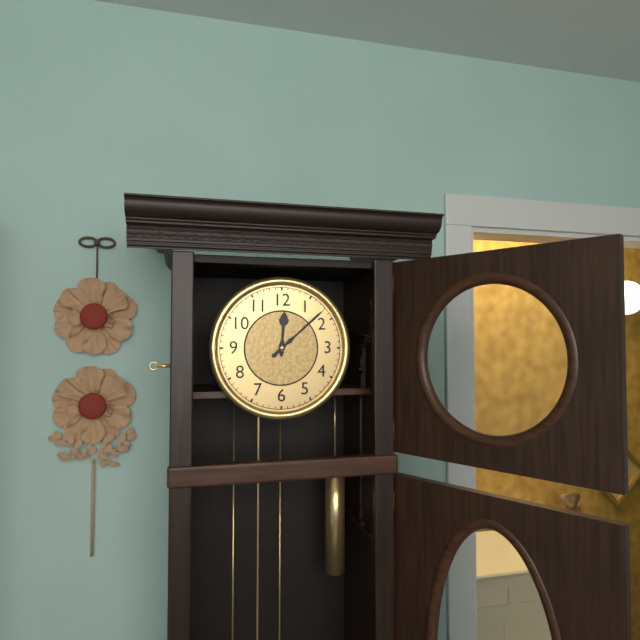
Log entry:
h=12 m=8
